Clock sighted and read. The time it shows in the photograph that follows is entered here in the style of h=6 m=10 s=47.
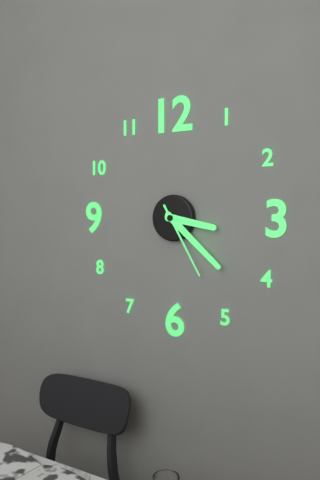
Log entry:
h=3 m=22 s=25
